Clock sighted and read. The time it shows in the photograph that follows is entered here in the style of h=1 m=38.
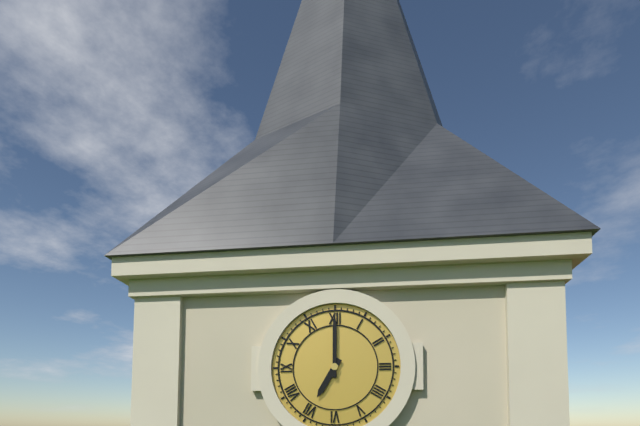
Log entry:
h=7 m=0
